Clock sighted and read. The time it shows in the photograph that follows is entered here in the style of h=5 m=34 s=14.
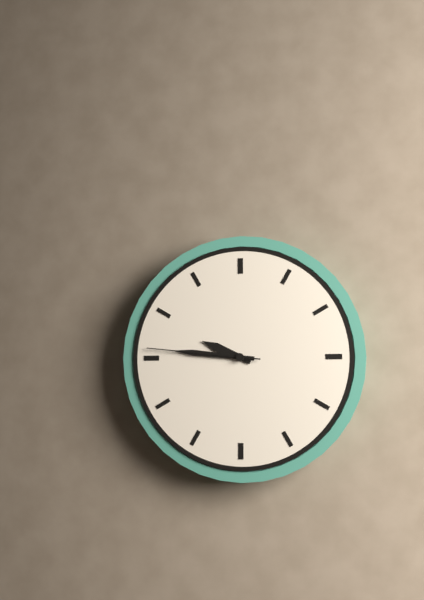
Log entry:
h=9 m=46 s=46
